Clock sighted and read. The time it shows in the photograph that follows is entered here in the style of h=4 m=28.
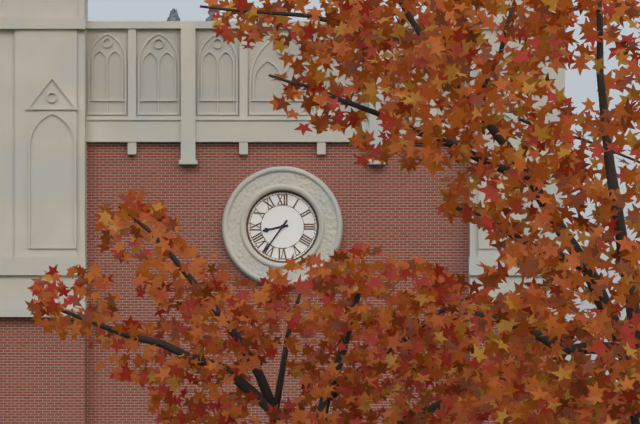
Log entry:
h=8 m=36
